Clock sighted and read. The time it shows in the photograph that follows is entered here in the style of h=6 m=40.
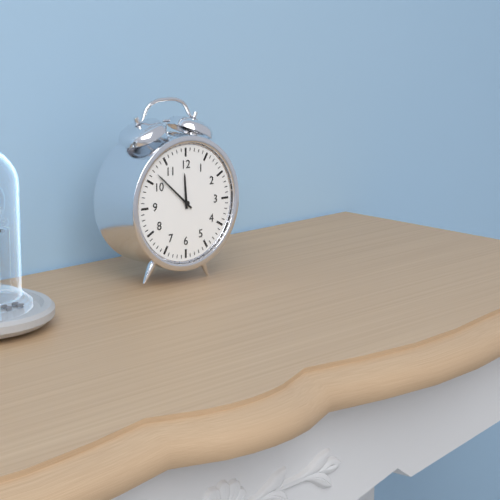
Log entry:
h=11 m=52
